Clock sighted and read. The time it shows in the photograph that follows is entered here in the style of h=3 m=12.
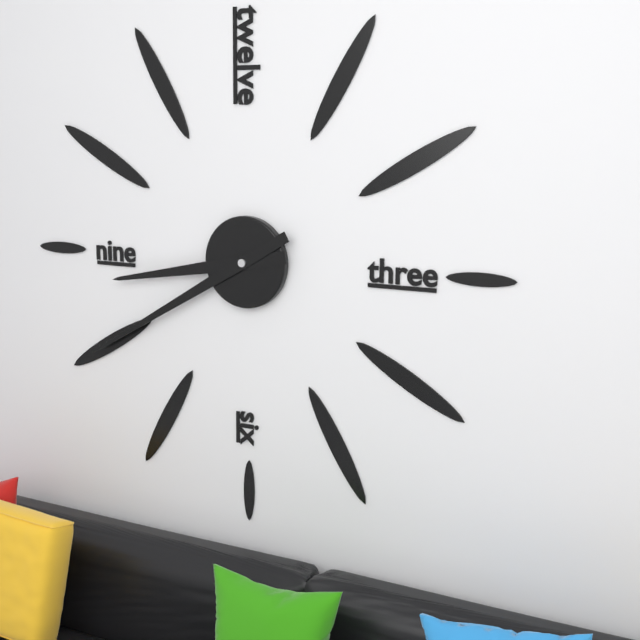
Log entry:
h=8 m=40
